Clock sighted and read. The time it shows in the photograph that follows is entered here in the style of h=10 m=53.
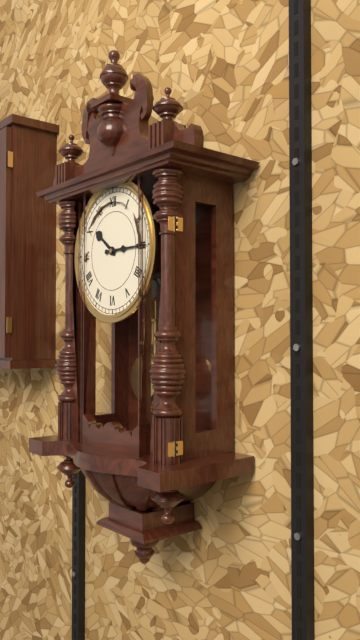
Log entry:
h=10 m=15
